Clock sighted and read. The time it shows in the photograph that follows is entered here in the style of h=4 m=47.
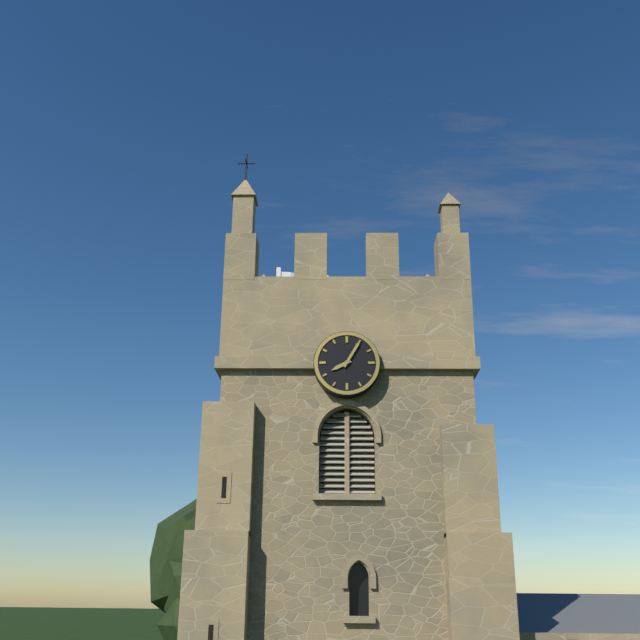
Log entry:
h=8 m=5
